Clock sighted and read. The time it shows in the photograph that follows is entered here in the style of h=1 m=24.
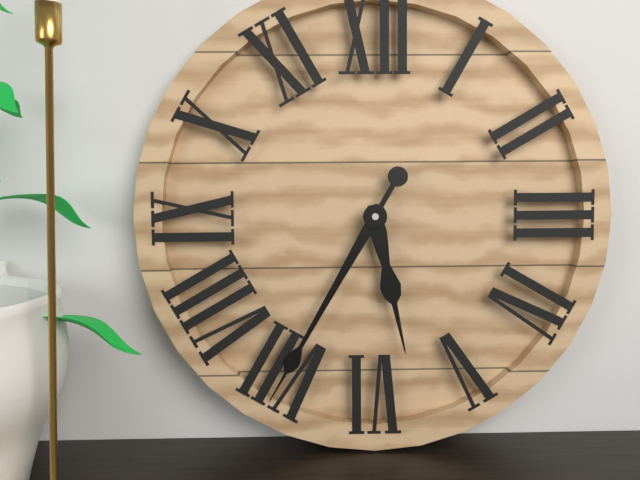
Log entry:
h=5 m=35
